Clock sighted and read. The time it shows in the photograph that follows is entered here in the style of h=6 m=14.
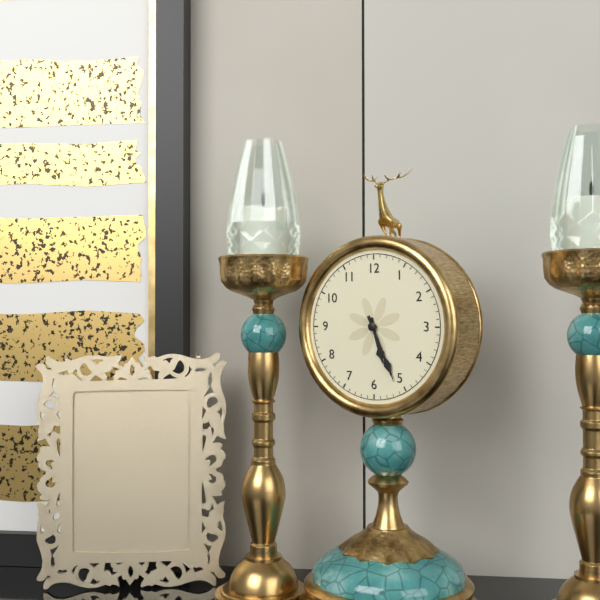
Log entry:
h=5 m=26
